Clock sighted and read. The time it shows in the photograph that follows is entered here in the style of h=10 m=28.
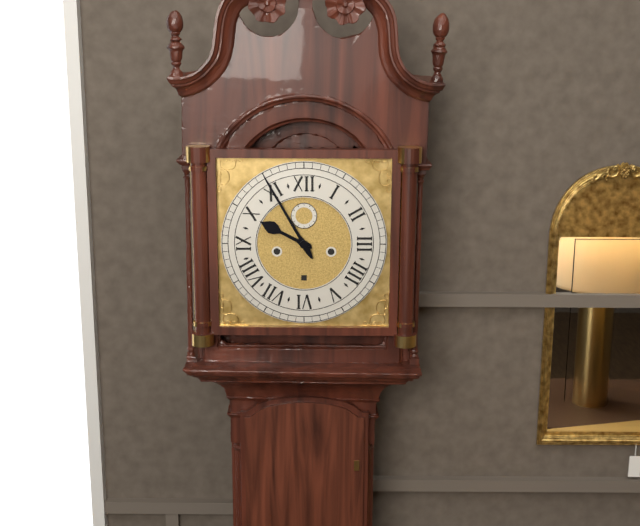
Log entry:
h=9 m=55
